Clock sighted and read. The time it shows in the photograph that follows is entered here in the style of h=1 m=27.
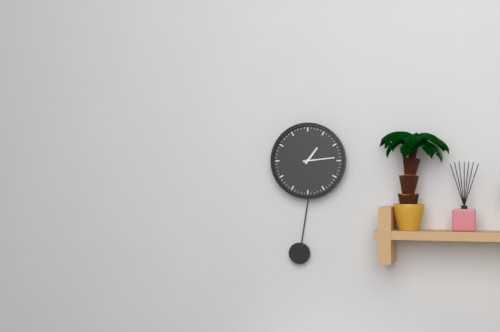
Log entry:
h=1 m=14
